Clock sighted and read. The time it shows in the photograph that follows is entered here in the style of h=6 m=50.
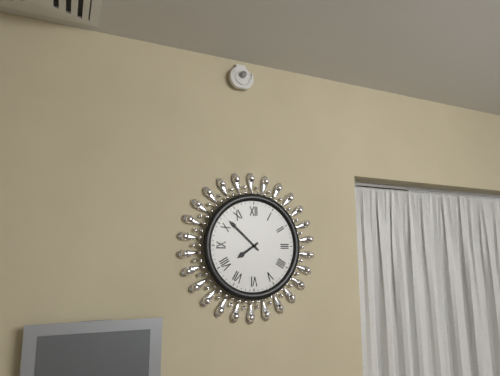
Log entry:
h=7 m=52
